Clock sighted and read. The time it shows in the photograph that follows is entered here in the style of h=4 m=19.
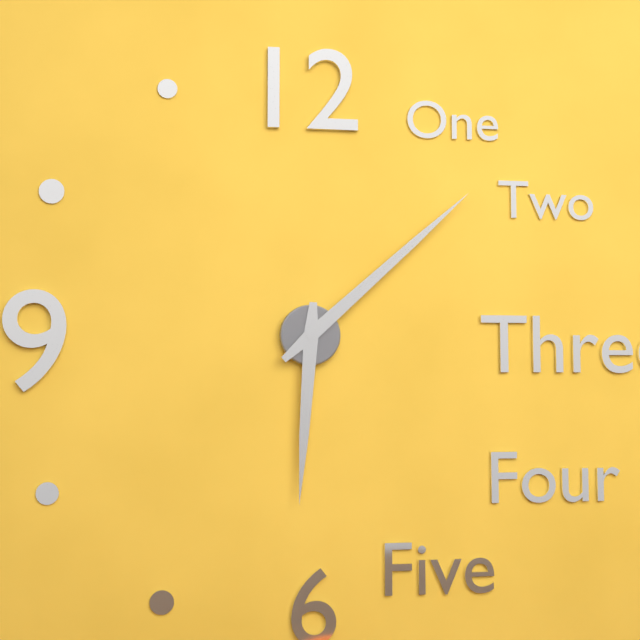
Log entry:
h=6 m=8
